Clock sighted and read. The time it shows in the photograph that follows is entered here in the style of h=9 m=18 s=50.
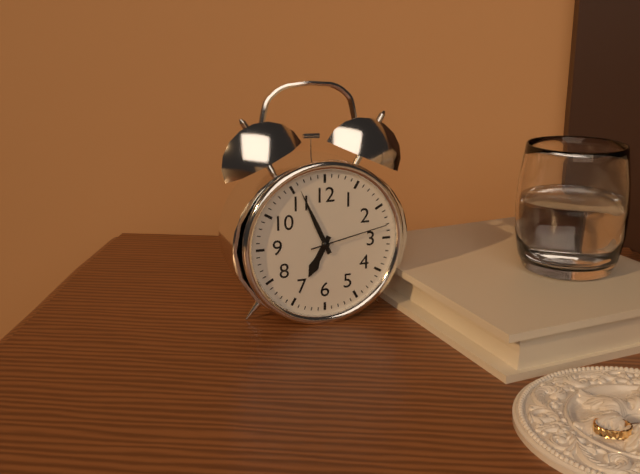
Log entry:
h=6 m=56 s=13
